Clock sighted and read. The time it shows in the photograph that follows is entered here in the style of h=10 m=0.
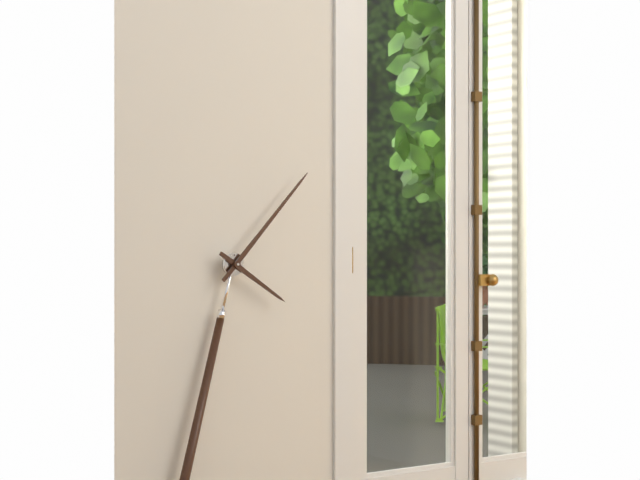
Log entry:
h=4 m=7
